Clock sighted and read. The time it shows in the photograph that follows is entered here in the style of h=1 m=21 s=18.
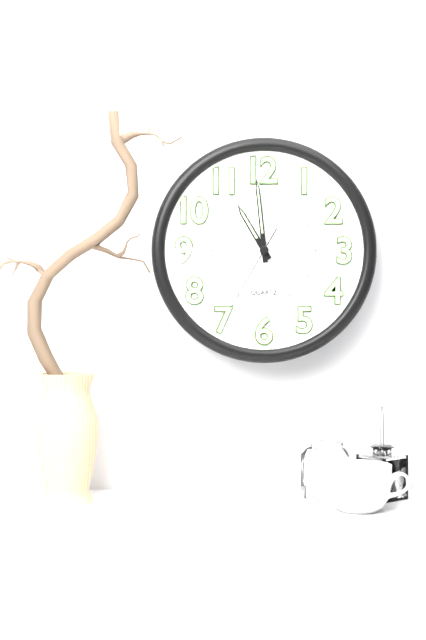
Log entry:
h=10 m=59 s=35
